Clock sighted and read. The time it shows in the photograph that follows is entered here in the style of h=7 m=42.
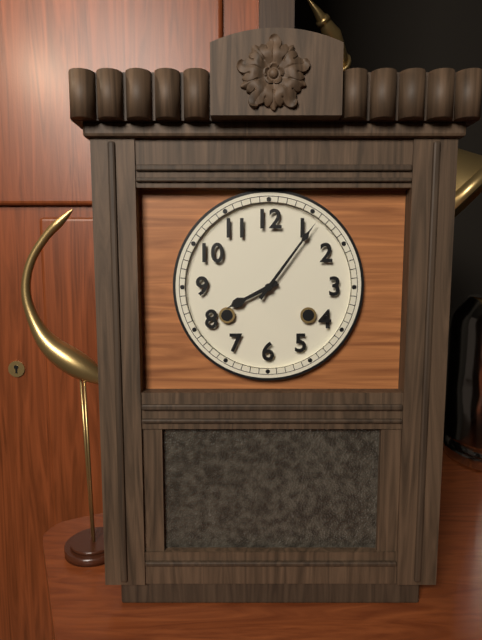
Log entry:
h=8 m=6
